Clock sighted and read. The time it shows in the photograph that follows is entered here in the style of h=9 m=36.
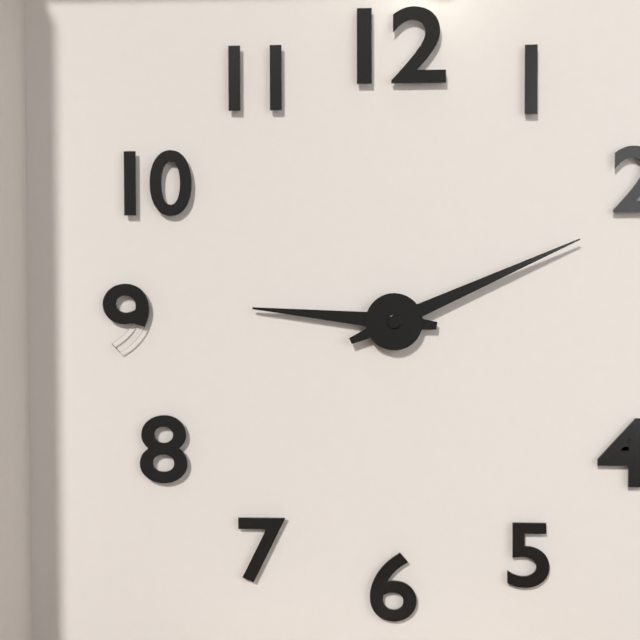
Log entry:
h=9 m=11
